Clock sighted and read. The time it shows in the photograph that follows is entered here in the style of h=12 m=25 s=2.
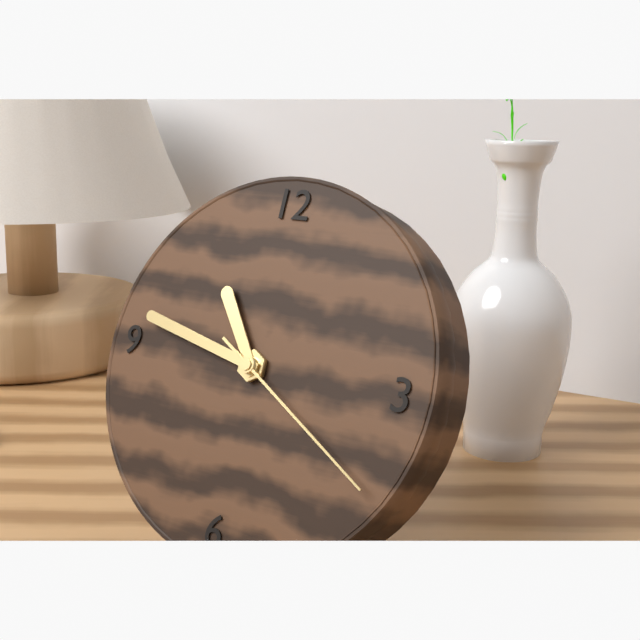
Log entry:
h=10 m=47 s=20
